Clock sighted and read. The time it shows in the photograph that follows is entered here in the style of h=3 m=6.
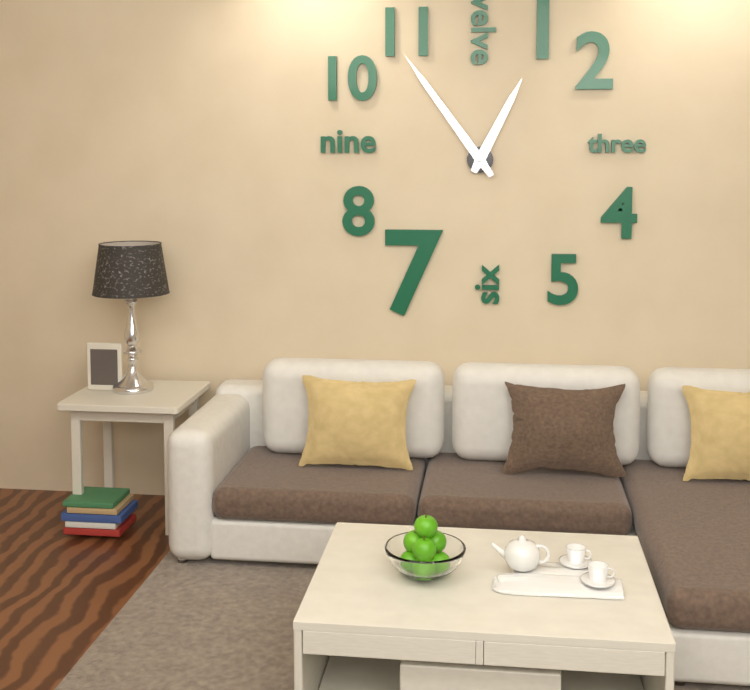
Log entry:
h=12 m=54
